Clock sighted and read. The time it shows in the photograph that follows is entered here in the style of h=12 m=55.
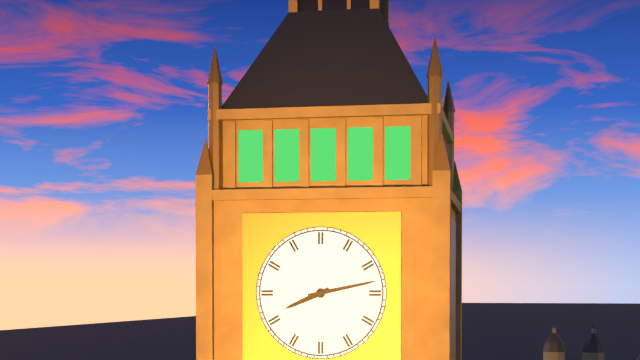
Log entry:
h=8 m=13
